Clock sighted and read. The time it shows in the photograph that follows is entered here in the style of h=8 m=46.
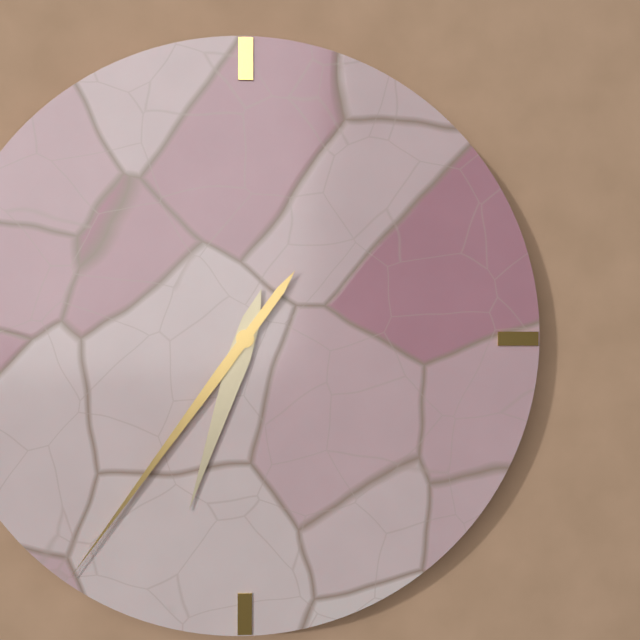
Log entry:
h=6 m=36
